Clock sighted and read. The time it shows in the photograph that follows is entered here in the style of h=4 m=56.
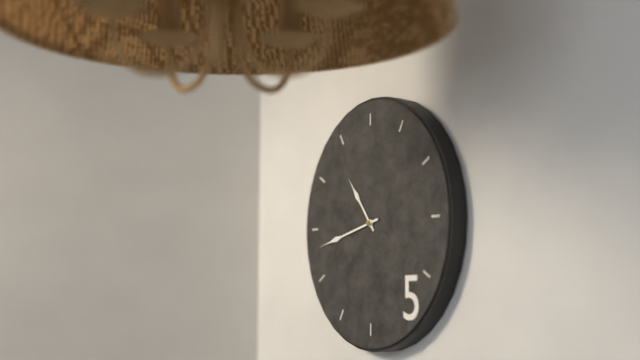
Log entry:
h=10 m=43
